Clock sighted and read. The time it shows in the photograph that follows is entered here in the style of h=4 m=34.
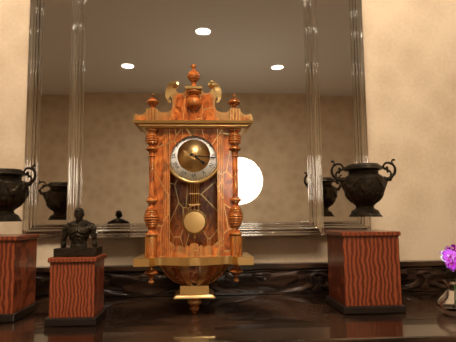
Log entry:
h=4 m=16
